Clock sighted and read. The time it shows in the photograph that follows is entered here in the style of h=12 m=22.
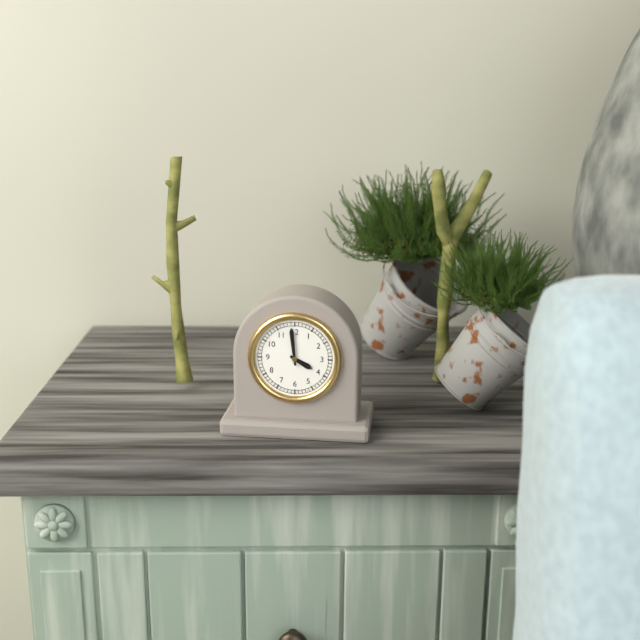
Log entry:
h=3 m=59
